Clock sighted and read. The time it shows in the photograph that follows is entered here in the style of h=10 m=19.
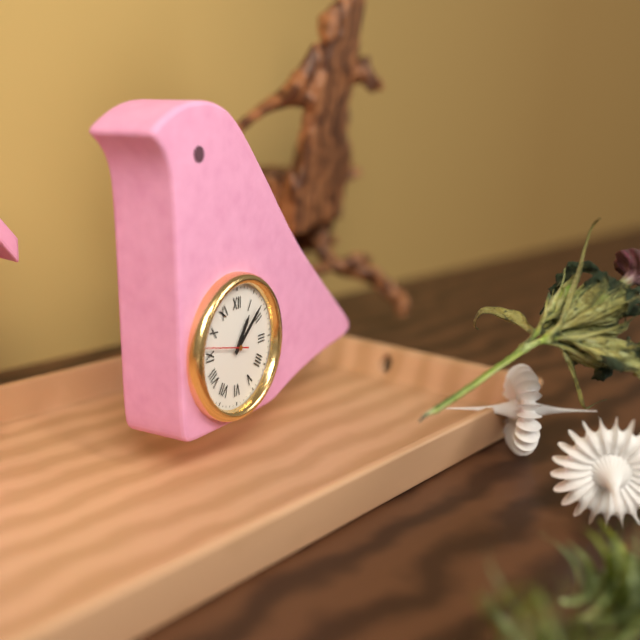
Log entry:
h=1 m=8
